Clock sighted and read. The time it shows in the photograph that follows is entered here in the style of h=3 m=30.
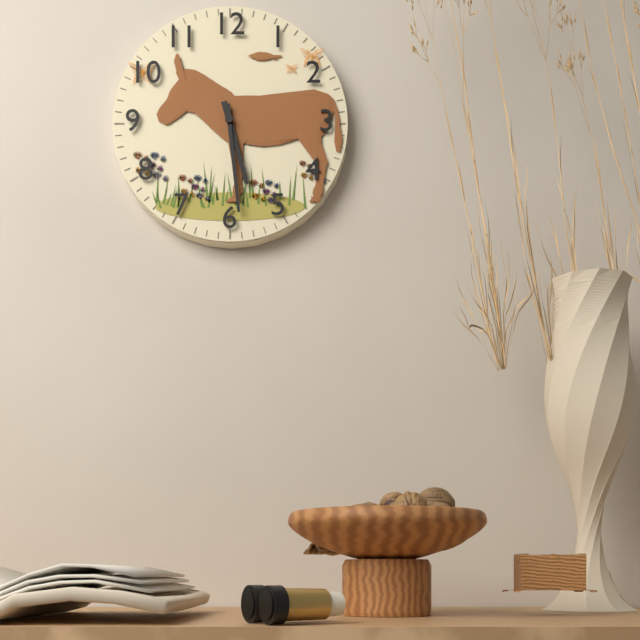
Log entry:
h=5 m=29
